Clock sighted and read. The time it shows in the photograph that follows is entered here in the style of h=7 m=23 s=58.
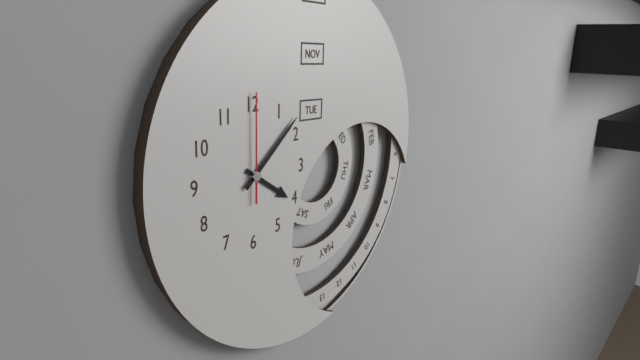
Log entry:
h=4 m=8 s=0
